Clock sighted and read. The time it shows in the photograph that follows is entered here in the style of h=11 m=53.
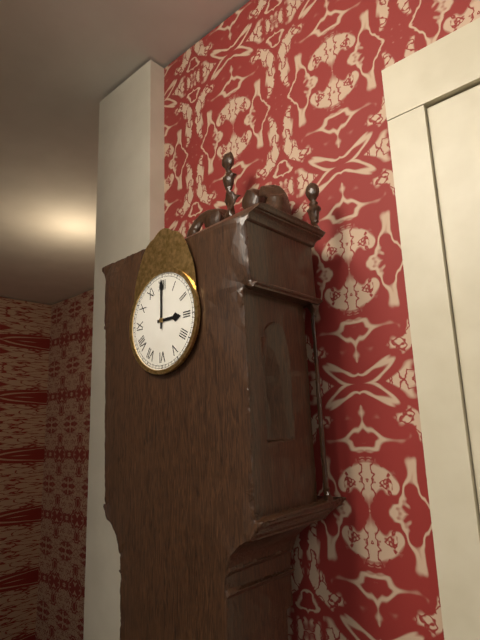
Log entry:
h=3 m=0
